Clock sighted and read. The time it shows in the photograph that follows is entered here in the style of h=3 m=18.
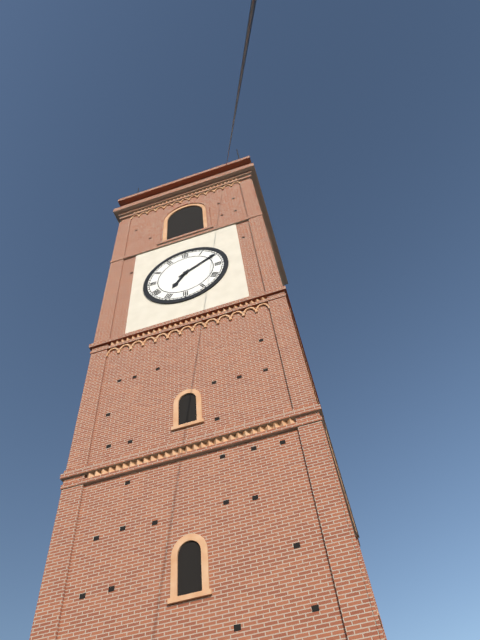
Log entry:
h=7 m=10
